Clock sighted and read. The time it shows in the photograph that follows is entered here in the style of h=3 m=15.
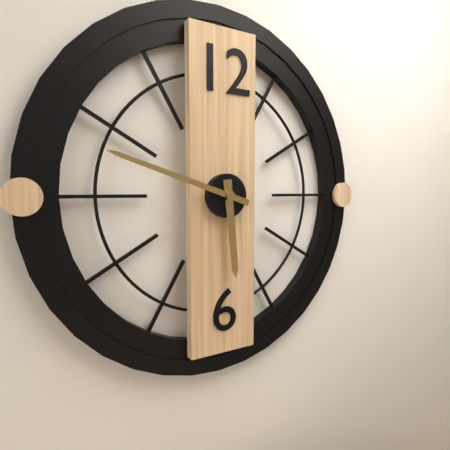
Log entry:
h=5 m=48
